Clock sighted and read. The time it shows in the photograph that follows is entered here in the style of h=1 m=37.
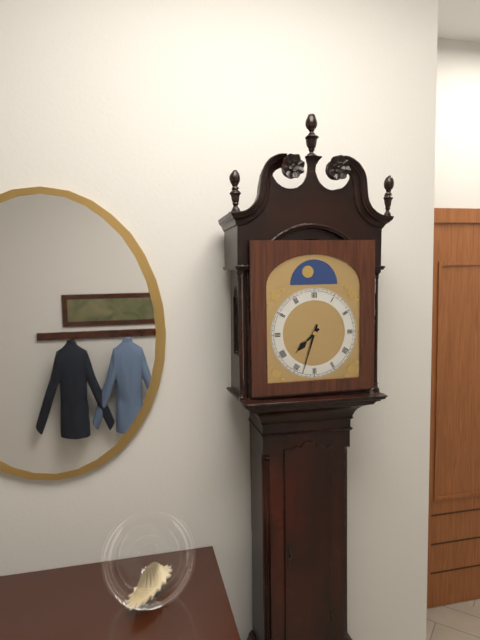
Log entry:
h=7 m=33
